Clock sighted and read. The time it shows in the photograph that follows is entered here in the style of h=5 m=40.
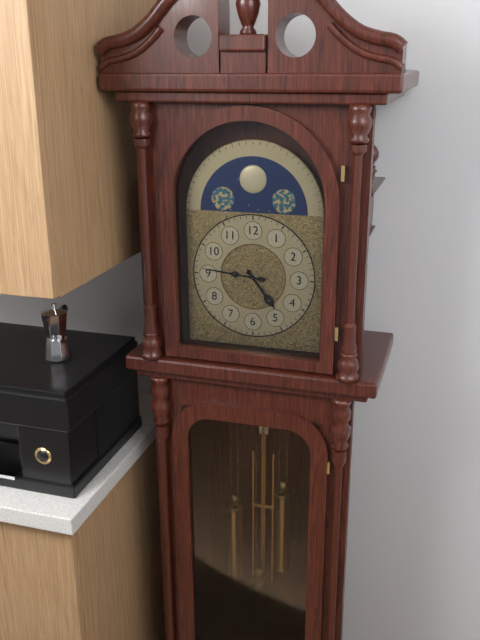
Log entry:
h=4 m=46
